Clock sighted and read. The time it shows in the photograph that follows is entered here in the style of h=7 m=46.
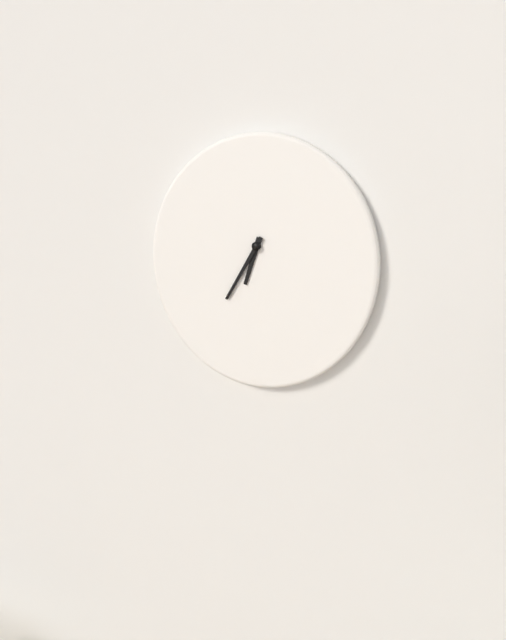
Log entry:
h=6 m=35
